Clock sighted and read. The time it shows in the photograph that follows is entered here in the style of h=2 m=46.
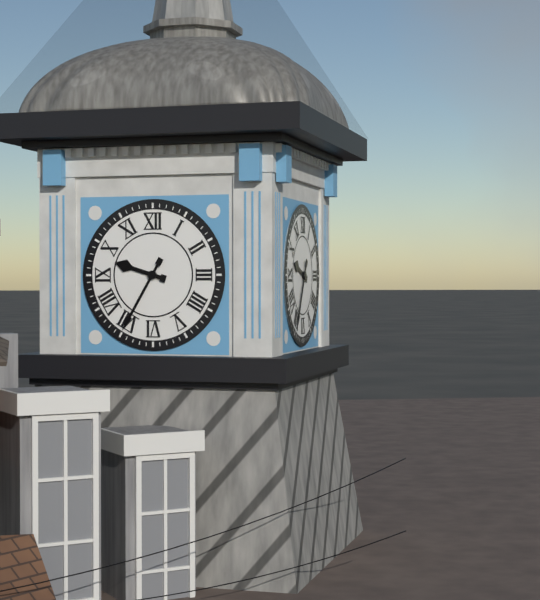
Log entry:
h=9 m=35
